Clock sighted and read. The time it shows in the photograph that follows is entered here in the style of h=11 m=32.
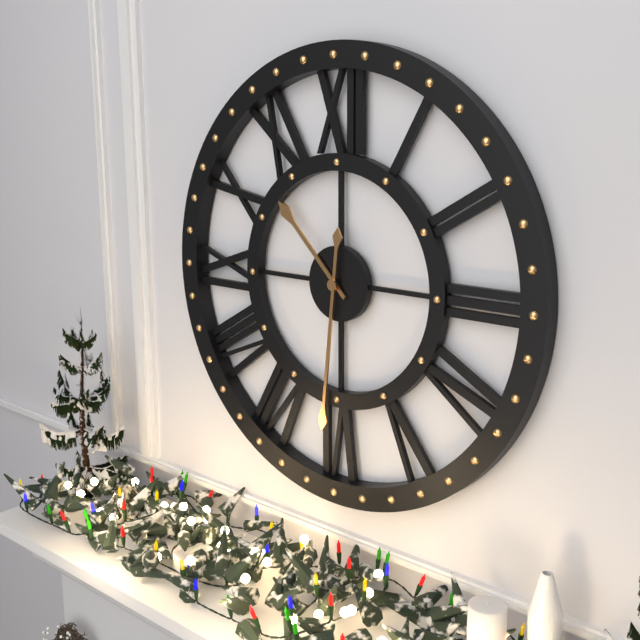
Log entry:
h=10 m=31
